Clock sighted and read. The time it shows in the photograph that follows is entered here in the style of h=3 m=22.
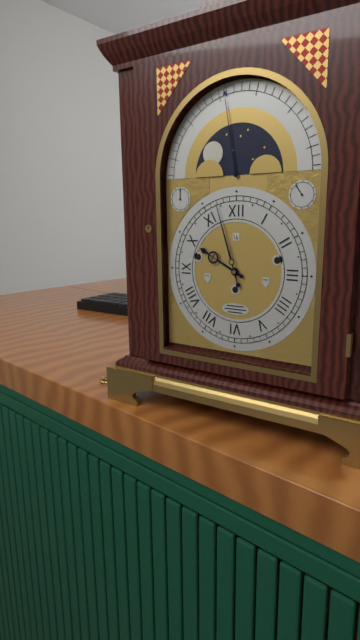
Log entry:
h=9 m=57
